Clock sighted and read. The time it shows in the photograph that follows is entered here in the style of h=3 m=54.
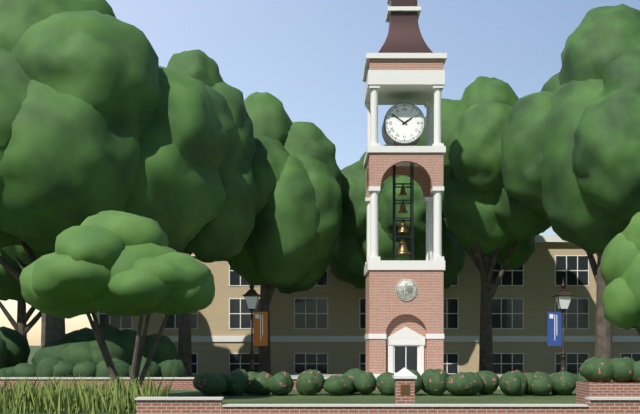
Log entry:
h=1 m=51
